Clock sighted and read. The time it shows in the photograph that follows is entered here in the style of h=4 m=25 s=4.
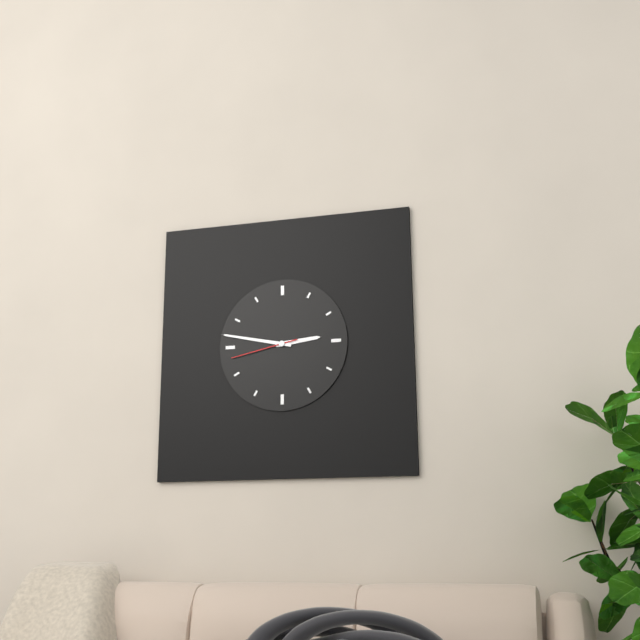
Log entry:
h=2 m=47 s=43
